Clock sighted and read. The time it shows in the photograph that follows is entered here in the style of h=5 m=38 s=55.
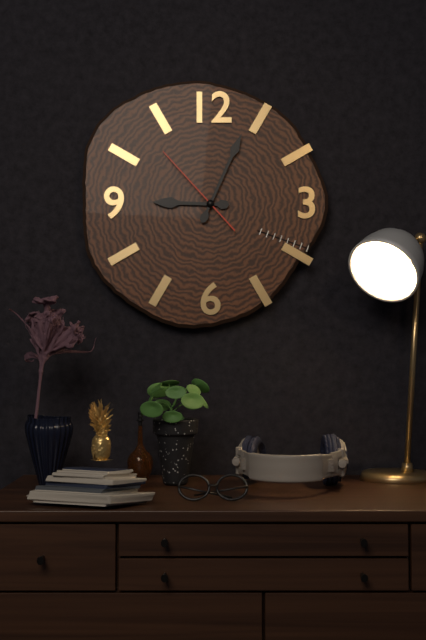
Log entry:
h=9 m=4 s=53
